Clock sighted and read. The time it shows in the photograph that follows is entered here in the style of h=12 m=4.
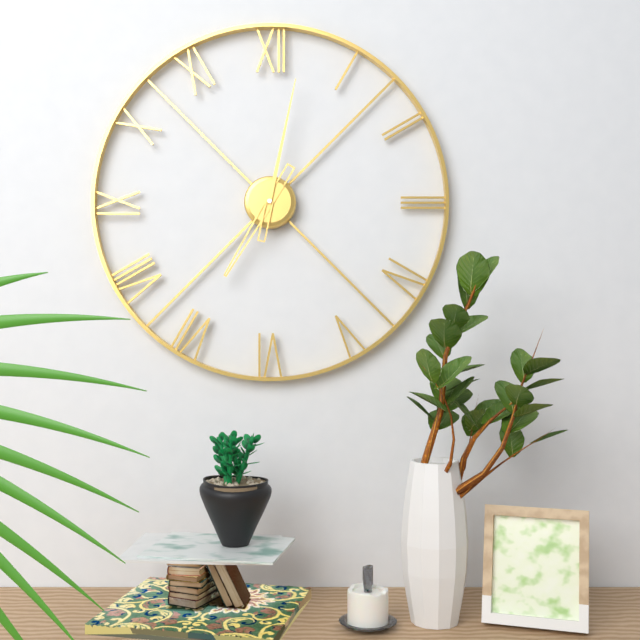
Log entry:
h=7 m=2
